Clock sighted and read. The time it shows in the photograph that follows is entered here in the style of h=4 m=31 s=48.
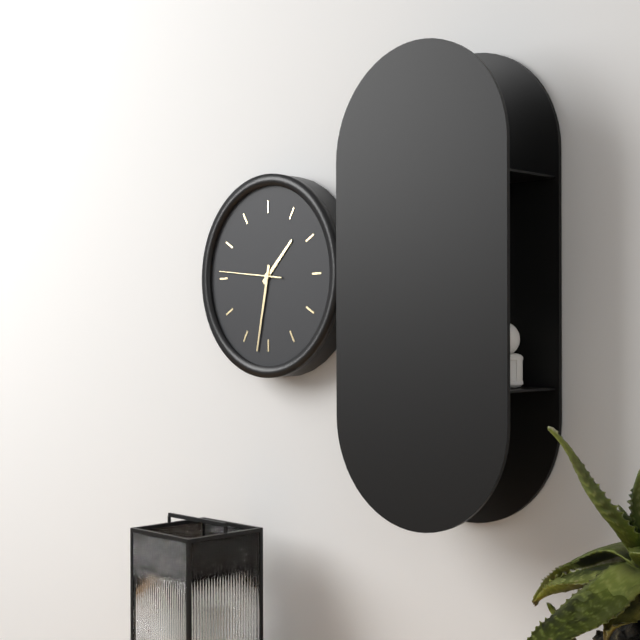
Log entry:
h=1 m=32 s=46
